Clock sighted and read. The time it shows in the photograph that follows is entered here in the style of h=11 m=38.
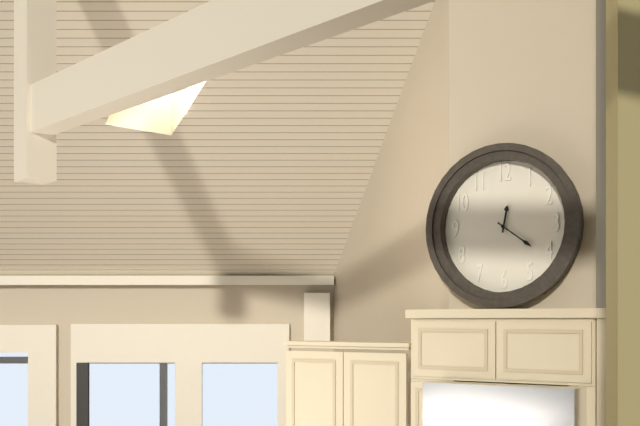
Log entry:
h=12 m=21
